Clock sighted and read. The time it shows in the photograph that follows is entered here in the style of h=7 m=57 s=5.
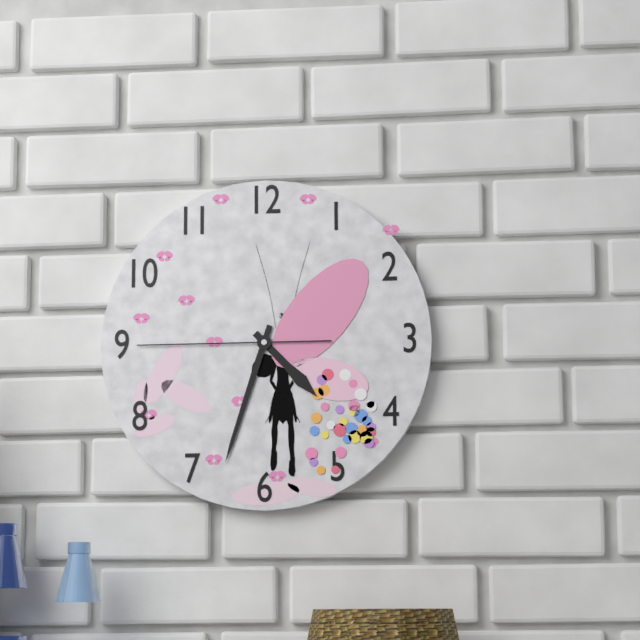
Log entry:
h=4 m=33 s=45
